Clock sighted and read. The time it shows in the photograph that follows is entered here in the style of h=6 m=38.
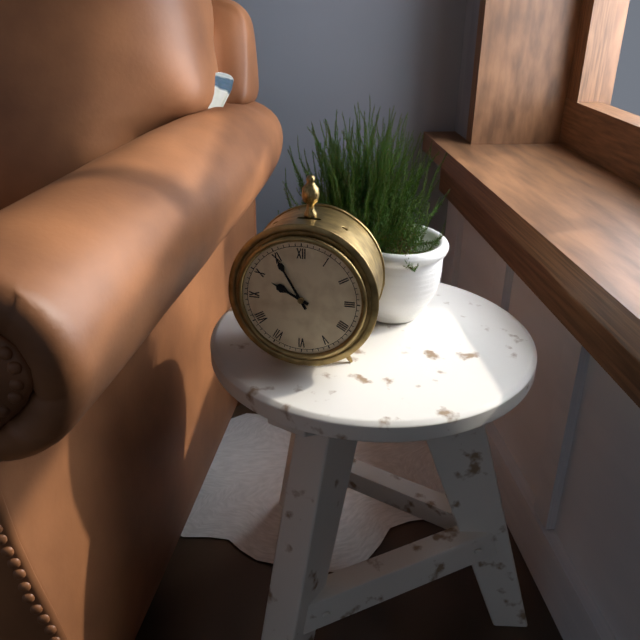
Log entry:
h=9 m=55
